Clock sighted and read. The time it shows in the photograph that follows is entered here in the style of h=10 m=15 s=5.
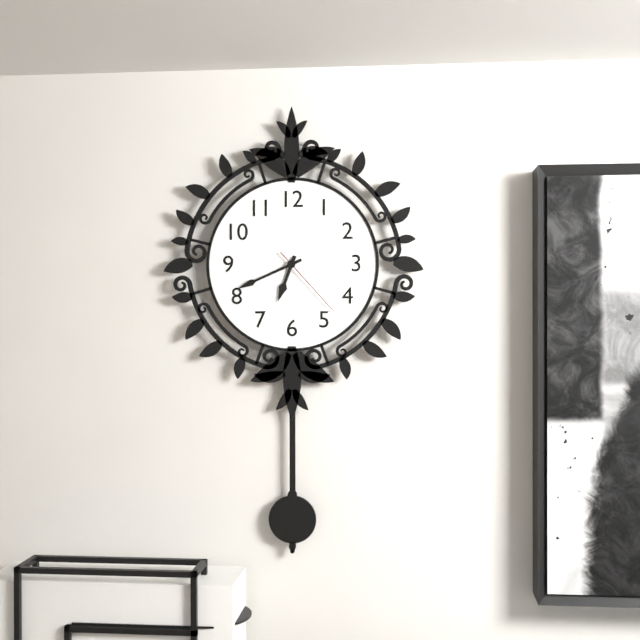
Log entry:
h=6 m=41 s=23
